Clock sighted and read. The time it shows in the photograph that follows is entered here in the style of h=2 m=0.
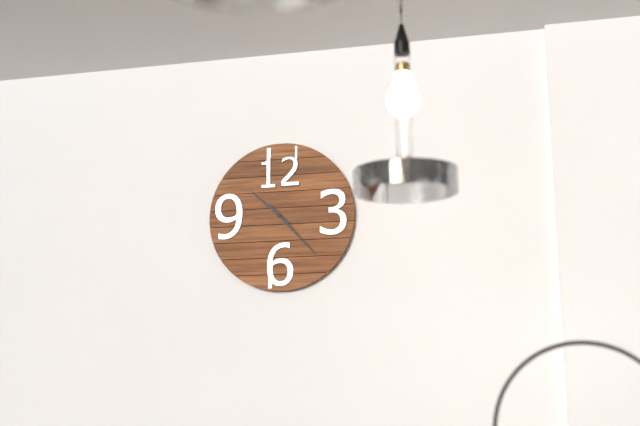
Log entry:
h=10 m=23
